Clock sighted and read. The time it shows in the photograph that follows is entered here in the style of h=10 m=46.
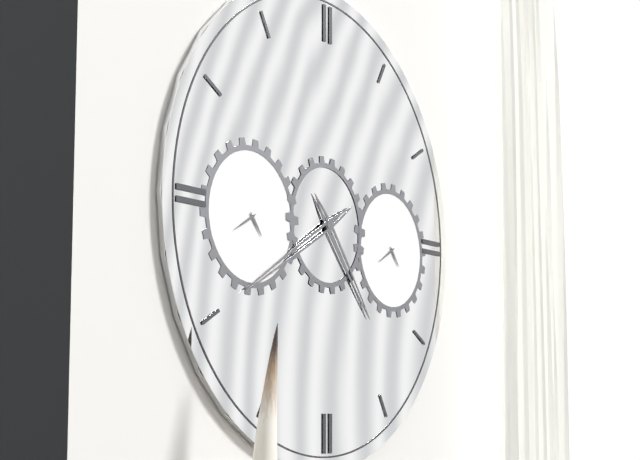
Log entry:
h=4 m=40
